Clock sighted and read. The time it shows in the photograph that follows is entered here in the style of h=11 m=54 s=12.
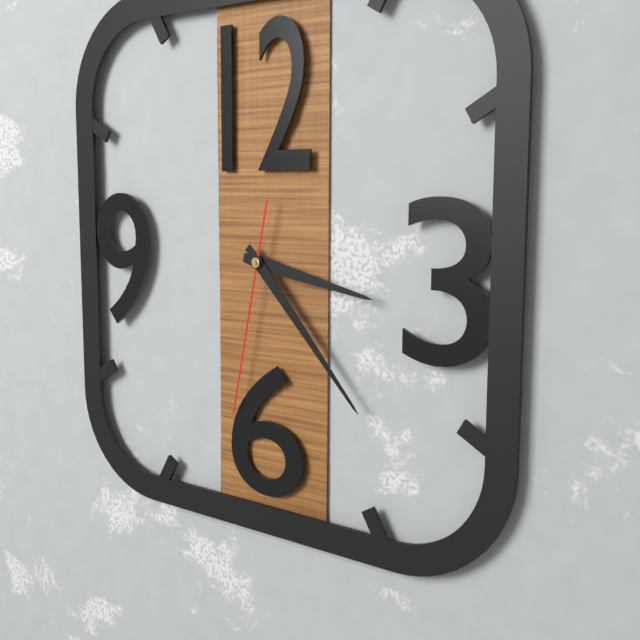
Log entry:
h=3 m=23 s=32
